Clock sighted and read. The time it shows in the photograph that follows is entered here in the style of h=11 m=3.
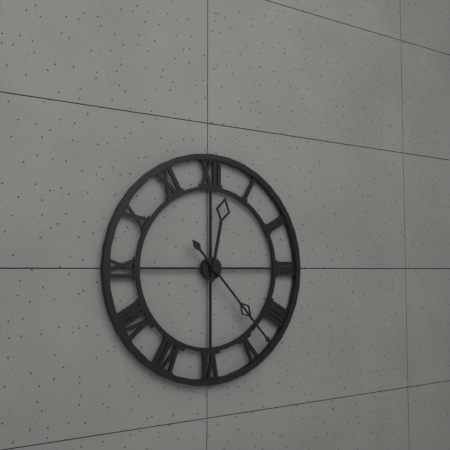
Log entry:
h=12 m=23
